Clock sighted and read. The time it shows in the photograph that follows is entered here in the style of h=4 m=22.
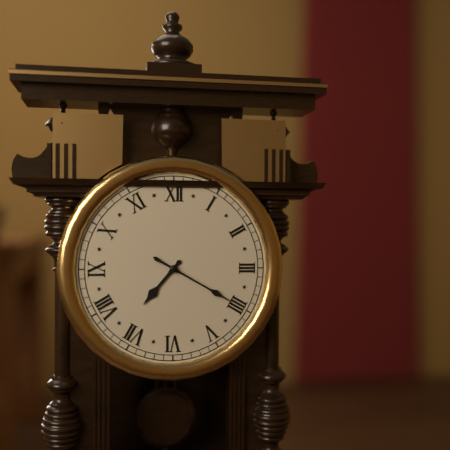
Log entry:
h=7 m=20
